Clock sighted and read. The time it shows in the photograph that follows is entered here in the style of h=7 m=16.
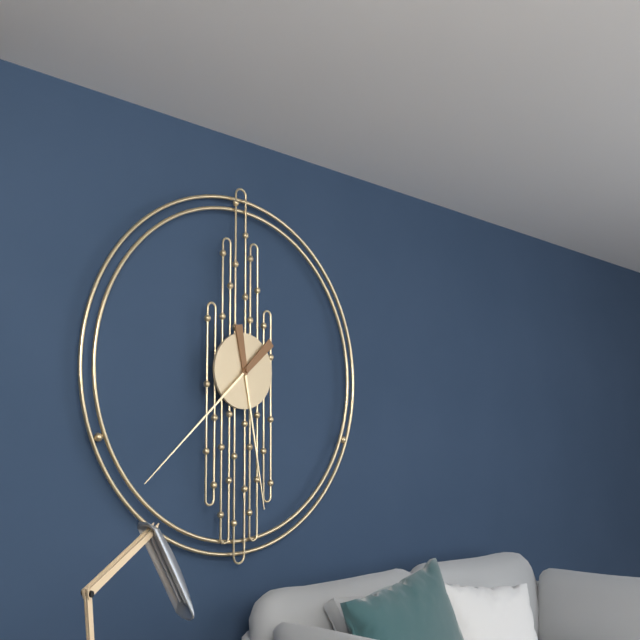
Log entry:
h=5 m=38
